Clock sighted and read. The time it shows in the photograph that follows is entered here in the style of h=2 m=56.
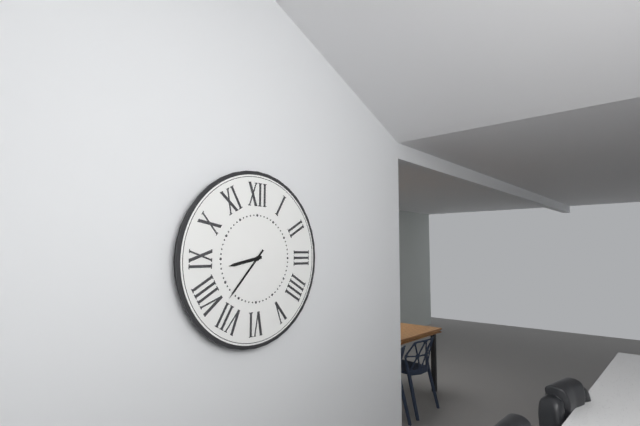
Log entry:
h=8 m=37
